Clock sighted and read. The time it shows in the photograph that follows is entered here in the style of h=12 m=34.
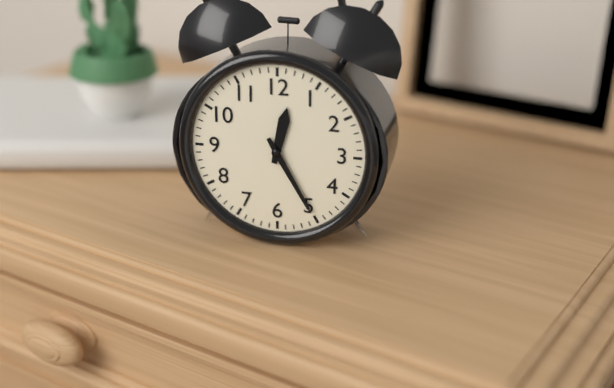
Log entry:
h=12 m=25
